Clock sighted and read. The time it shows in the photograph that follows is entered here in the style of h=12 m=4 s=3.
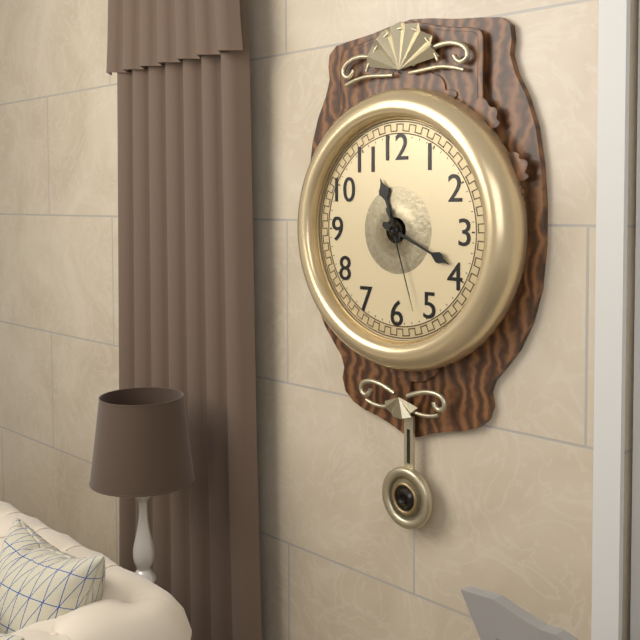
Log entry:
h=11 m=19 s=27
